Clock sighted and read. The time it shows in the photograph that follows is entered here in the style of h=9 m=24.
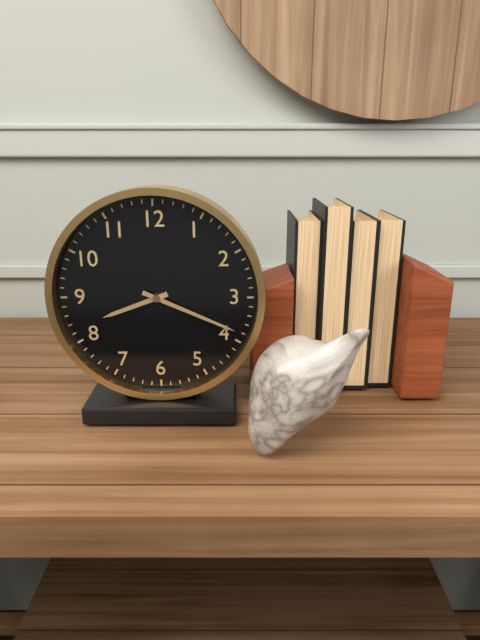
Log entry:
h=8 m=19
